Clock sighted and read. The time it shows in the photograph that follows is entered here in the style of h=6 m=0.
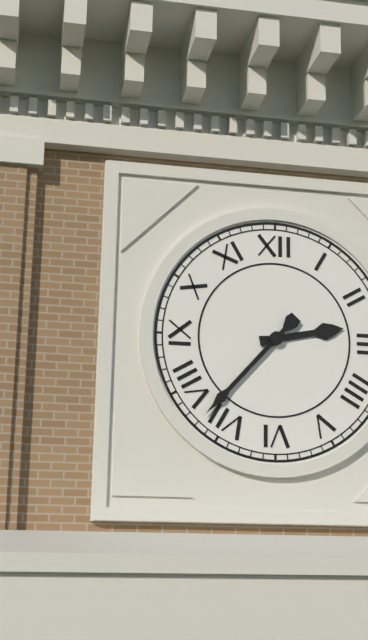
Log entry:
h=2 m=37
